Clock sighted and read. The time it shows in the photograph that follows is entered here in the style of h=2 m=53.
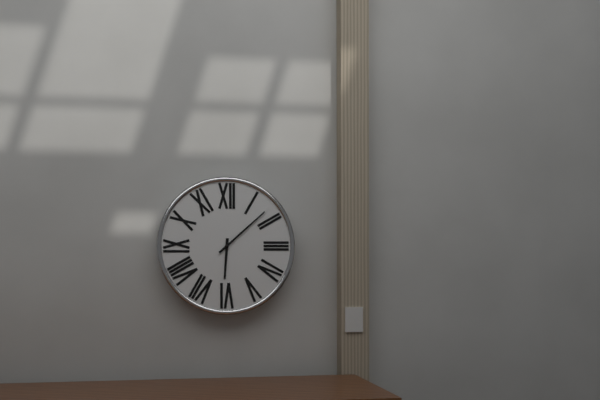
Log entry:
h=6 m=8
